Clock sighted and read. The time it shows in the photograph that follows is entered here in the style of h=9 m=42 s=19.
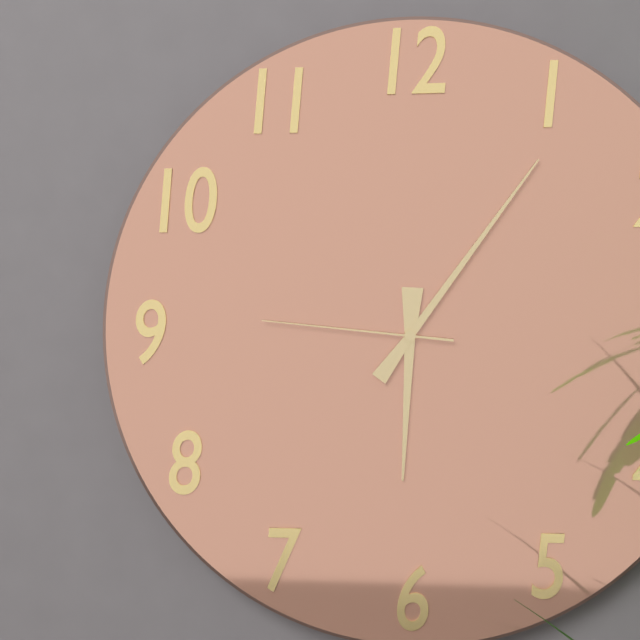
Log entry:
h=6 m=6 s=46
